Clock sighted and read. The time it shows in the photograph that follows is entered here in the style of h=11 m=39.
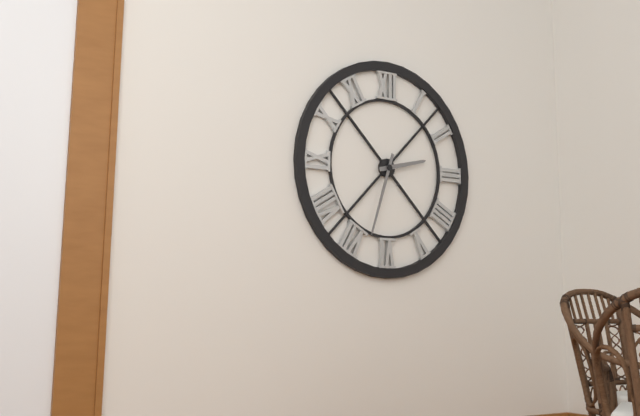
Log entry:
h=2 m=33
